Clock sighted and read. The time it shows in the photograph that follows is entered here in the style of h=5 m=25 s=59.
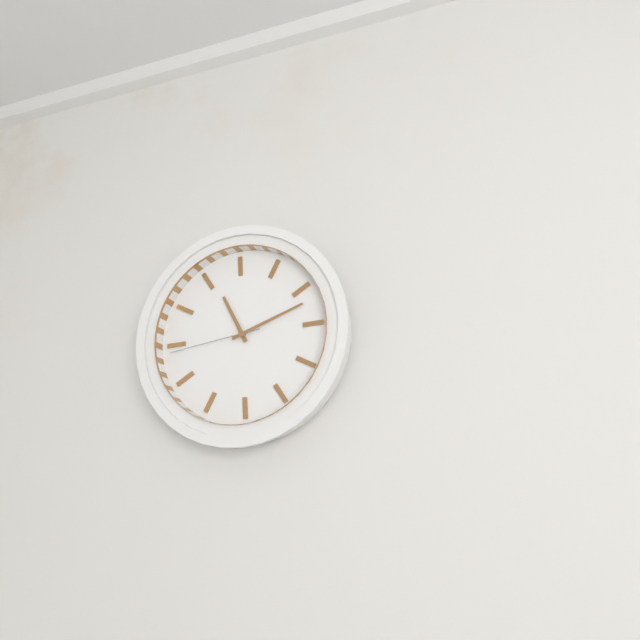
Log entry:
h=11 m=12 s=44
